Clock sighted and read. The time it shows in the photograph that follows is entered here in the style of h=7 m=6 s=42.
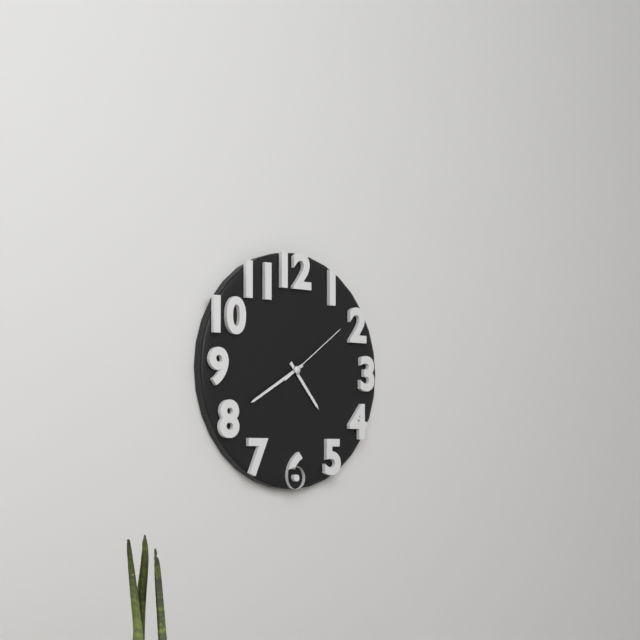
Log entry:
h=4 m=40 s=9
